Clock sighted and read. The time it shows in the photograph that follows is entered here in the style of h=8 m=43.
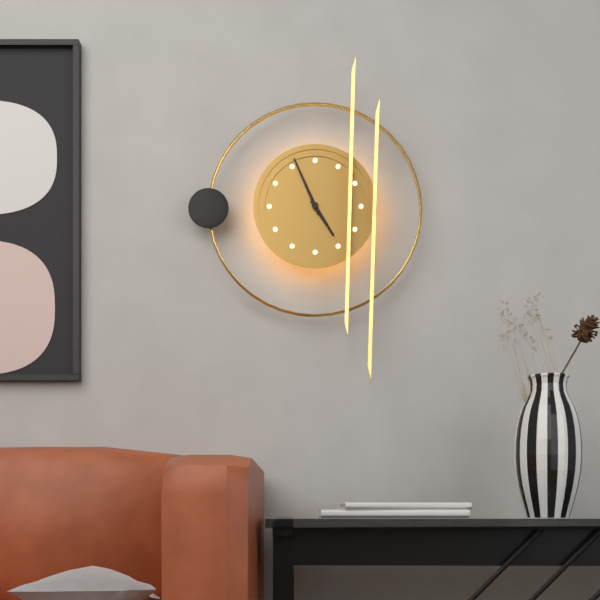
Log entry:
h=4 m=56
